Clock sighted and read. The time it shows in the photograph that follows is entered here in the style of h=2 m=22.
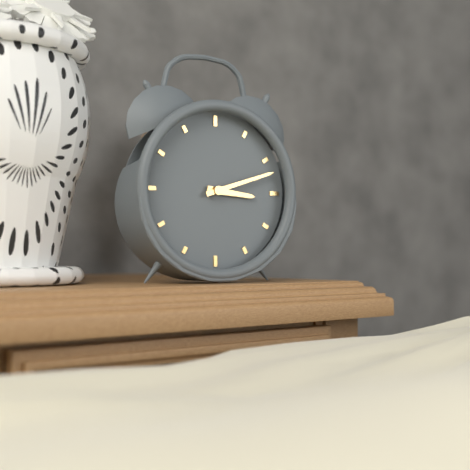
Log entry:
h=3 m=12
